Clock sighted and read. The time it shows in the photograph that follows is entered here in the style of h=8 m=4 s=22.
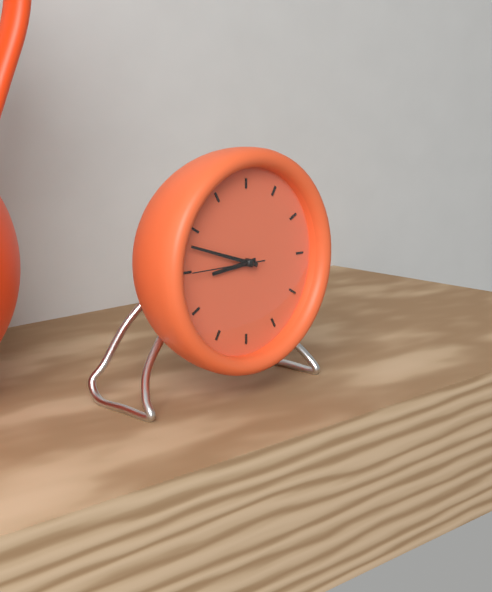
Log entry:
h=8 m=48 s=45
